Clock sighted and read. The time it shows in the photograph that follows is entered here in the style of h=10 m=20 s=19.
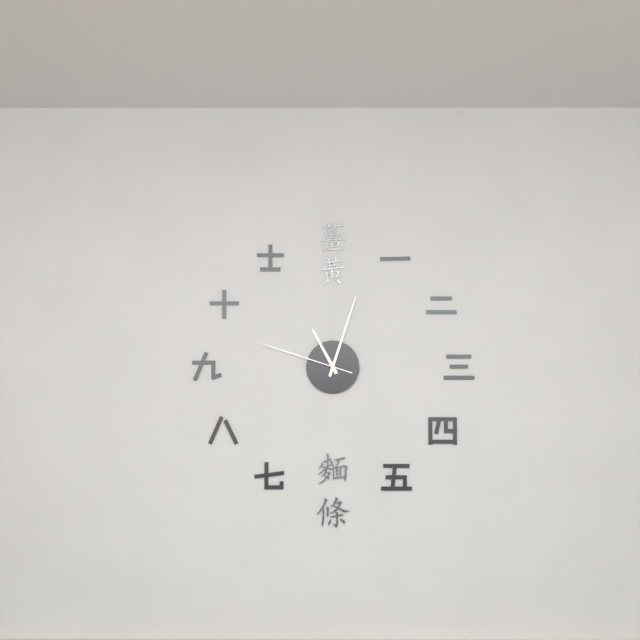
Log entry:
h=11 m=3 s=48
